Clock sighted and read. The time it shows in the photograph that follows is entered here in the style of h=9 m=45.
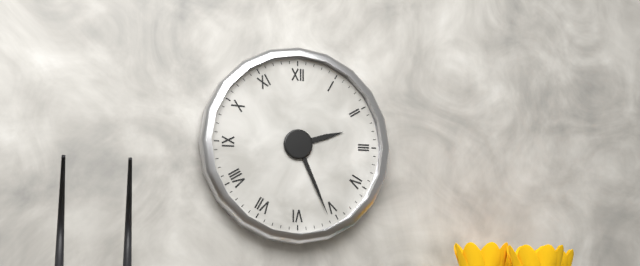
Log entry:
h=2 m=26
